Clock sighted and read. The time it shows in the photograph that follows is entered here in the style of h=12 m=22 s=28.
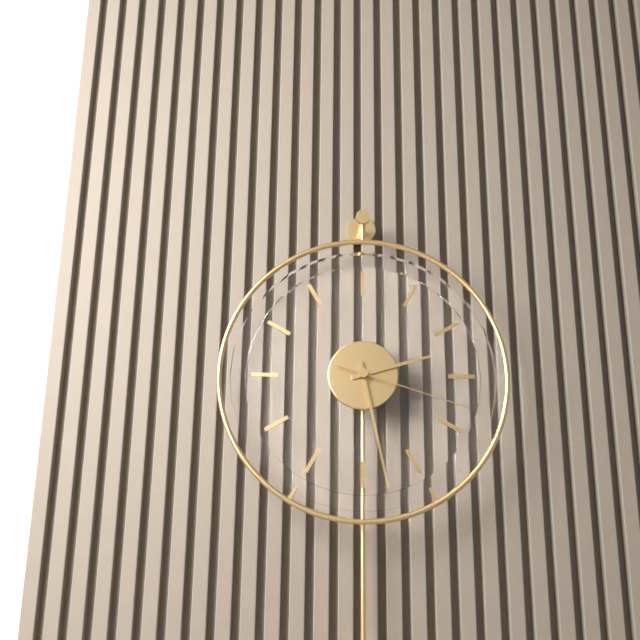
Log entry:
h=2 m=28 s=18
